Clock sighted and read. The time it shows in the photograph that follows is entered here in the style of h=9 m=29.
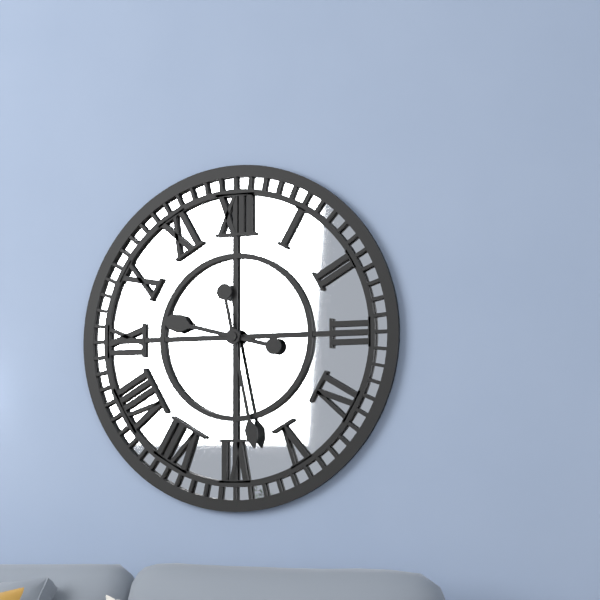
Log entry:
h=9 m=28
